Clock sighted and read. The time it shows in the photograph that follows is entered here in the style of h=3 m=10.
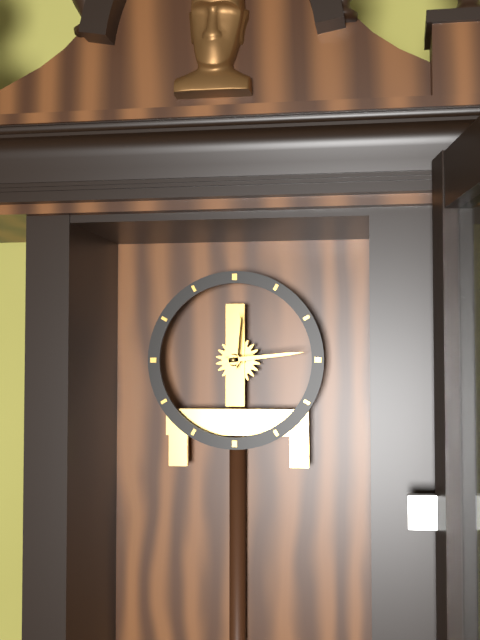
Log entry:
h=12 m=14
